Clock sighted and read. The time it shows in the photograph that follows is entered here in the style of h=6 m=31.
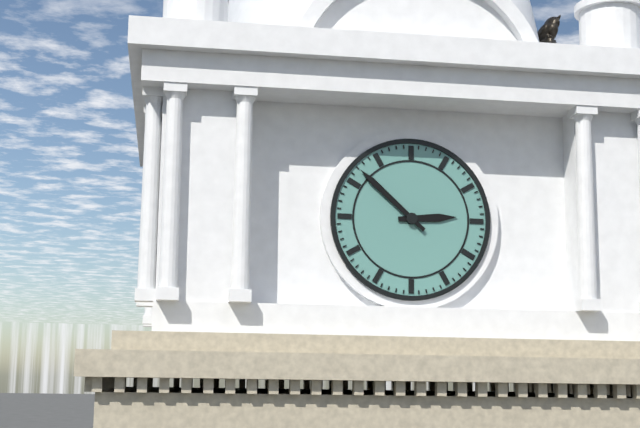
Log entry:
h=2 m=52
